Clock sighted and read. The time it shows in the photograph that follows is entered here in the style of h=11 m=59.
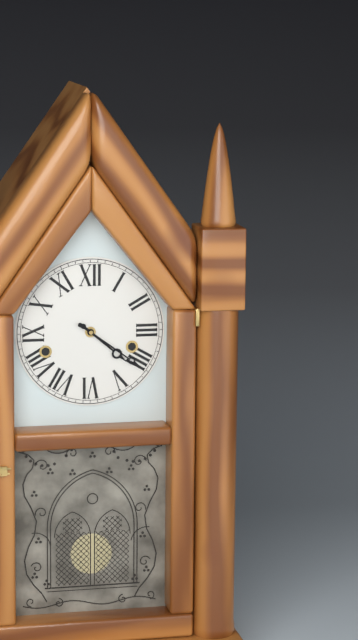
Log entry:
h=4 m=21
